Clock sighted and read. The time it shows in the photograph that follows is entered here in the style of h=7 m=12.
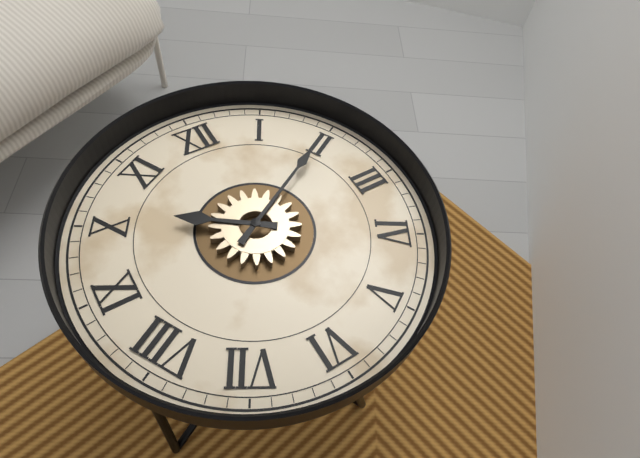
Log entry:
h=10 m=10
